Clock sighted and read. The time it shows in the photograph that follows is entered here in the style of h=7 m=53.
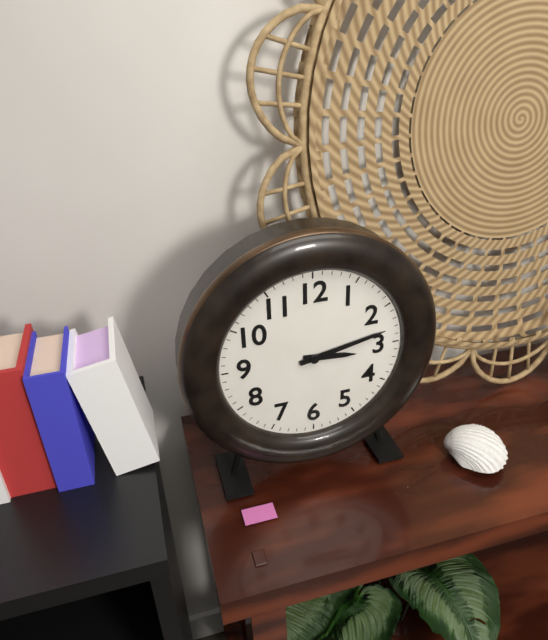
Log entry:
h=3 m=13
